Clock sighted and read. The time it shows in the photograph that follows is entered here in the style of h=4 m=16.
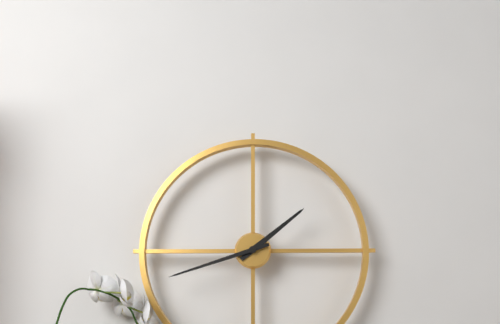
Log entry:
h=1 m=42
